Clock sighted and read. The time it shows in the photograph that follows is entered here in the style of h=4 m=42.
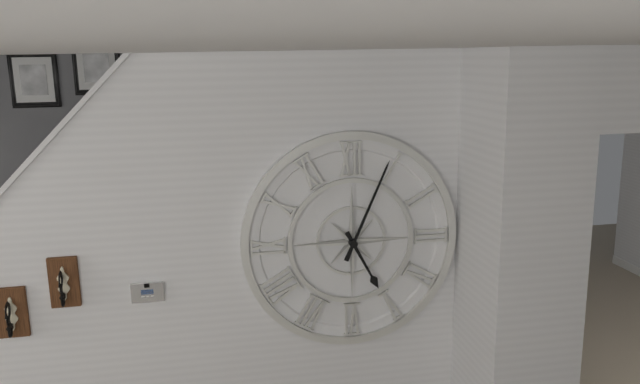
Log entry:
h=5 m=4
